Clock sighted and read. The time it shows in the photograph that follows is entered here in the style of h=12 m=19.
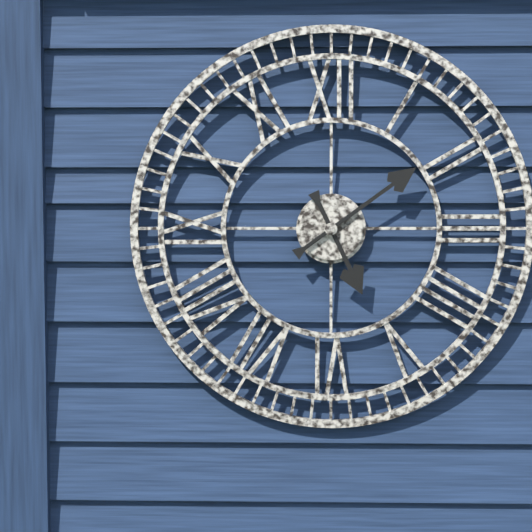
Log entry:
h=5 m=9
